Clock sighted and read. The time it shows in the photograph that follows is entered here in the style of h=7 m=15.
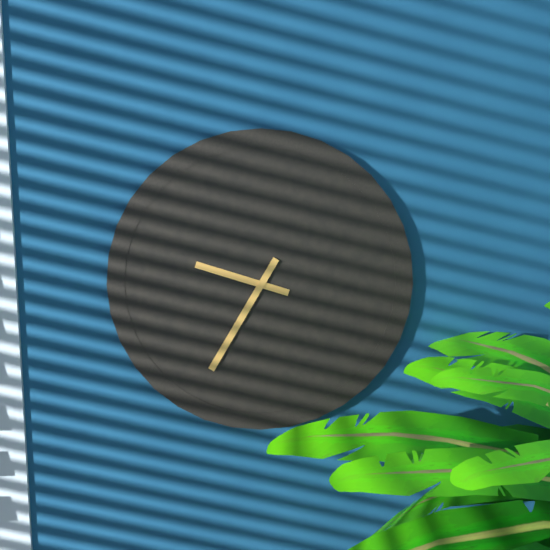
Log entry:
h=9 m=35
